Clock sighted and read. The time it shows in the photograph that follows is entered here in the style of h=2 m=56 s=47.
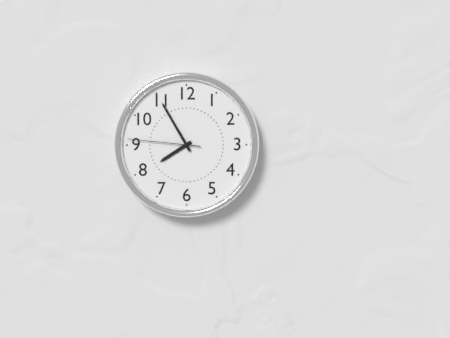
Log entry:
h=7 m=55 s=46
